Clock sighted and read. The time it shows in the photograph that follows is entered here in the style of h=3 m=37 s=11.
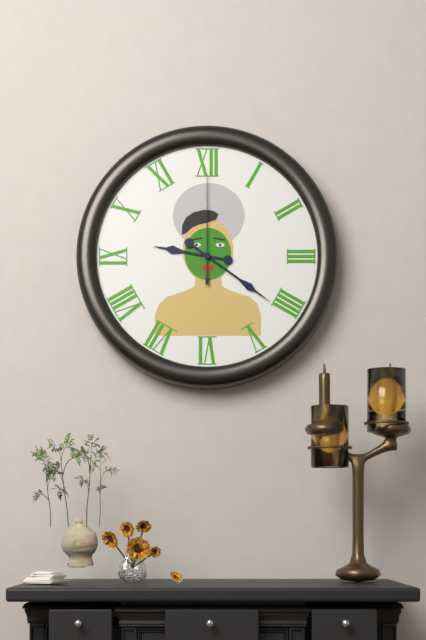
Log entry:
h=9 m=21 s=0
